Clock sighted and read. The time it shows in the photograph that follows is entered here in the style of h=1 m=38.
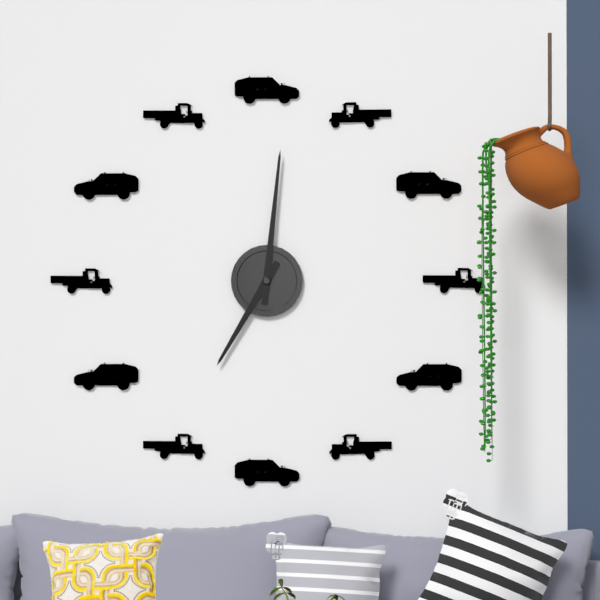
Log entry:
h=7 m=1
